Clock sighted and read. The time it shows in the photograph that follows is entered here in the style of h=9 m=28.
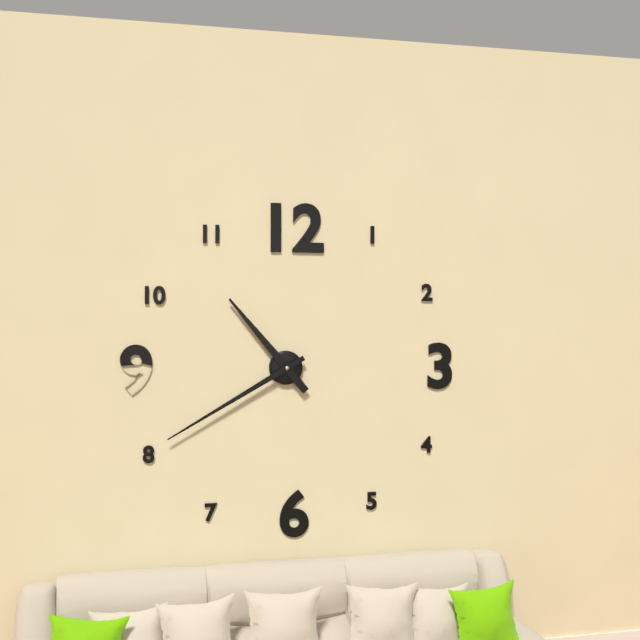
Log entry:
h=10 m=40
